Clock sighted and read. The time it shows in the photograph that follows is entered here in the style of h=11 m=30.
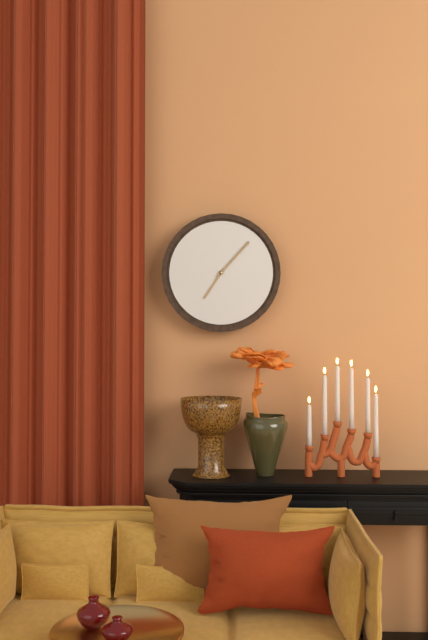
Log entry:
h=7 m=7
